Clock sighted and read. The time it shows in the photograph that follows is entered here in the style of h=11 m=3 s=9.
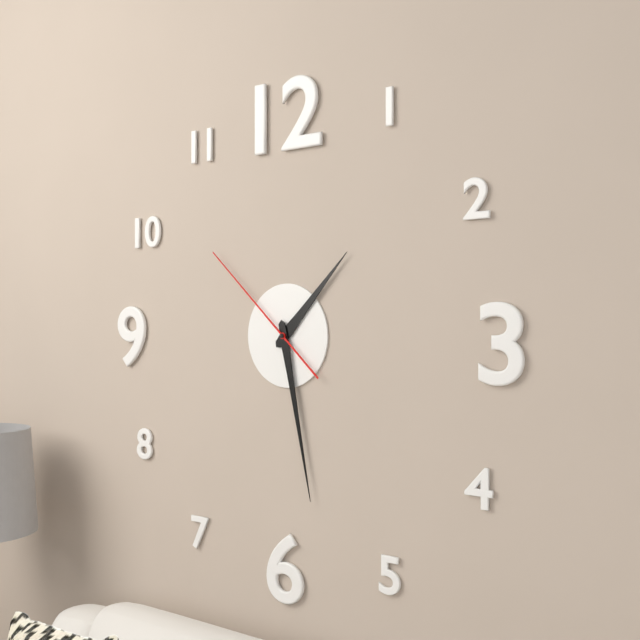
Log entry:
h=1 m=28 s=52
